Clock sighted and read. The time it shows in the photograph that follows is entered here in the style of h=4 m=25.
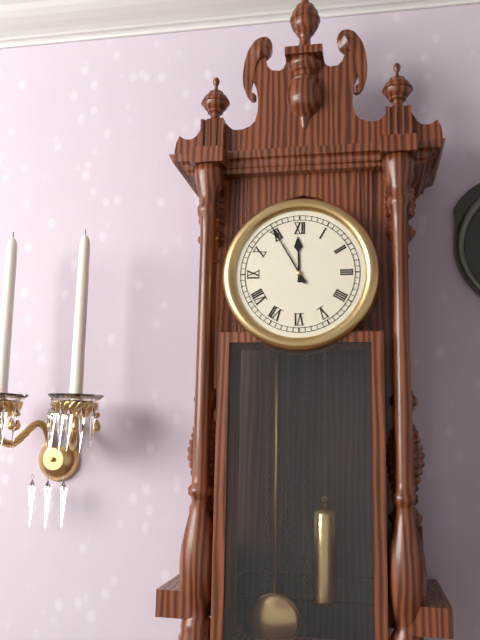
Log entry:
h=11 m=55
